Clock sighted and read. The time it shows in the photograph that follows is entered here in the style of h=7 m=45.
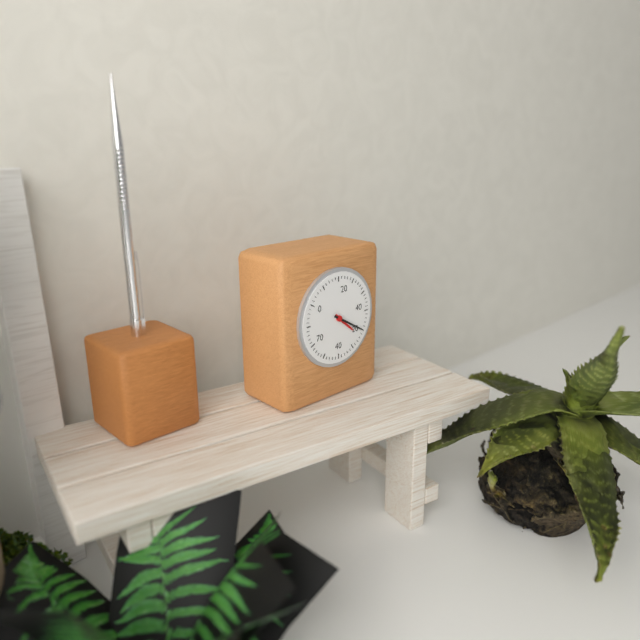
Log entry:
h=4 m=20
